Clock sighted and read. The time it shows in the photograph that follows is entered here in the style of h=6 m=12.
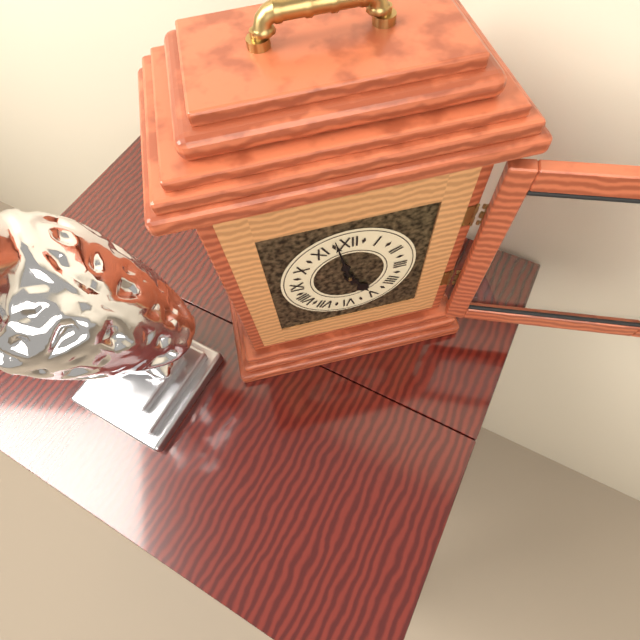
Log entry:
h=4 m=58
